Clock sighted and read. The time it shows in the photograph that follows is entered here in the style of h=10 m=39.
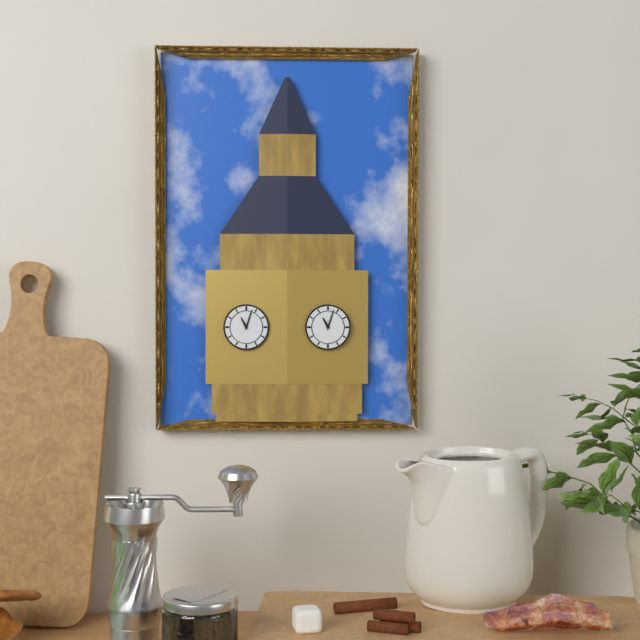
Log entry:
h=11 m=3
